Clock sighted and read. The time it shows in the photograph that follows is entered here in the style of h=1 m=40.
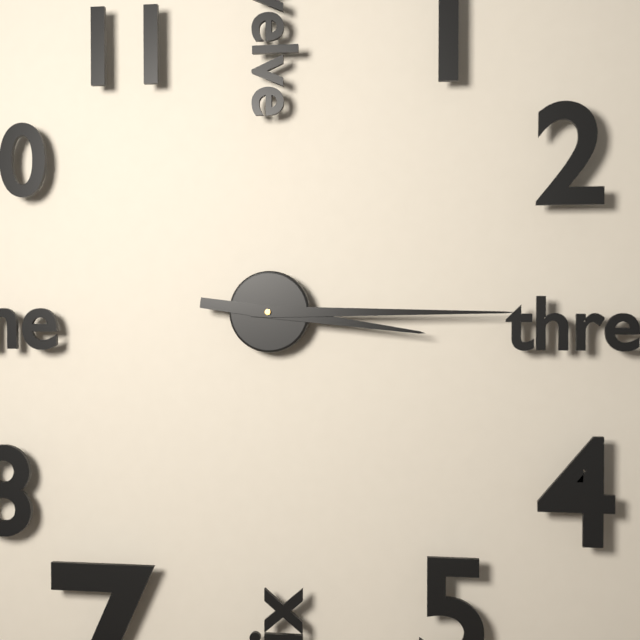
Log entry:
h=3 m=15
